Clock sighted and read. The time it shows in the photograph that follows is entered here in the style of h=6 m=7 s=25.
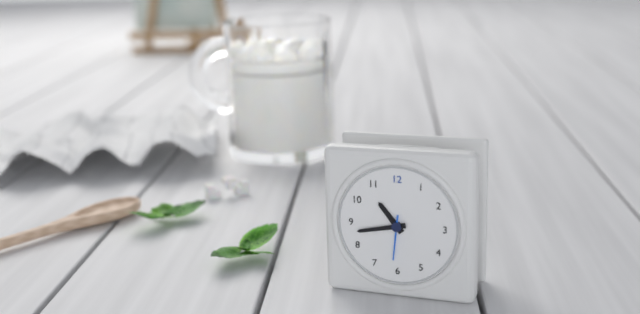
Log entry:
h=10 m=43 s=31
